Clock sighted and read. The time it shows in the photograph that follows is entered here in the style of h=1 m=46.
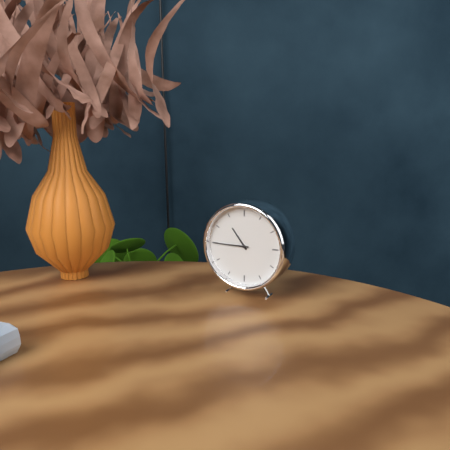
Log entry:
h=10 m=45
